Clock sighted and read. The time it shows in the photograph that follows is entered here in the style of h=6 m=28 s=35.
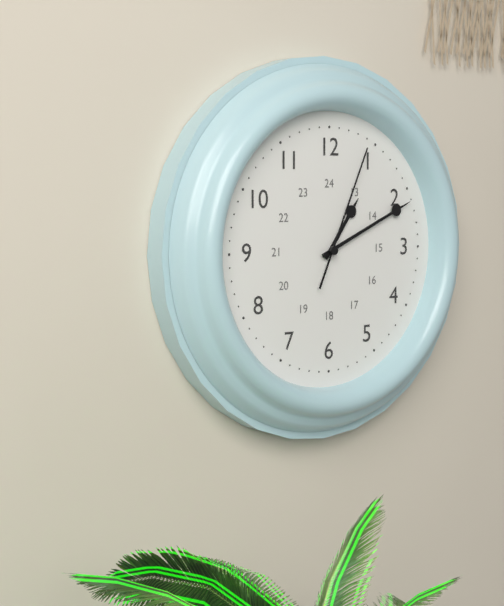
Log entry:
h=1 m=11 s=4
